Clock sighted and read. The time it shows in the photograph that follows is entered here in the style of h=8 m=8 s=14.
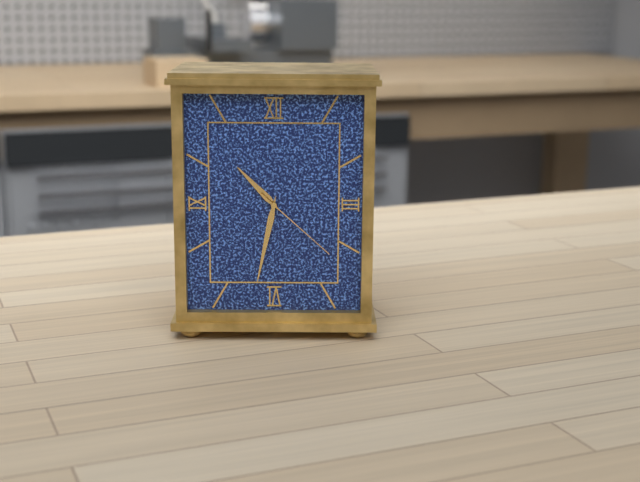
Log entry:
h=10 m=32 s=22
